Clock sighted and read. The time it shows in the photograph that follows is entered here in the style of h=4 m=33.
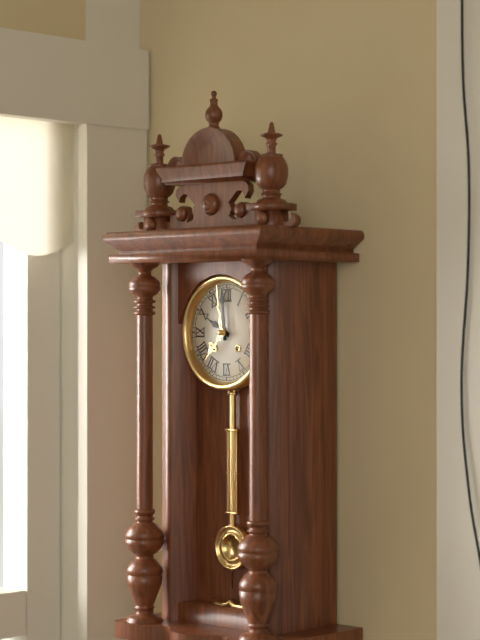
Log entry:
h=9 m=59
